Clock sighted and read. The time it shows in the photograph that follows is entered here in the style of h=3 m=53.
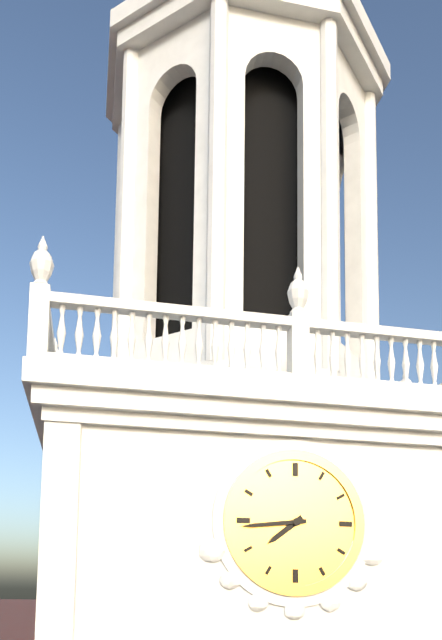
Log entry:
h=7 m=44
